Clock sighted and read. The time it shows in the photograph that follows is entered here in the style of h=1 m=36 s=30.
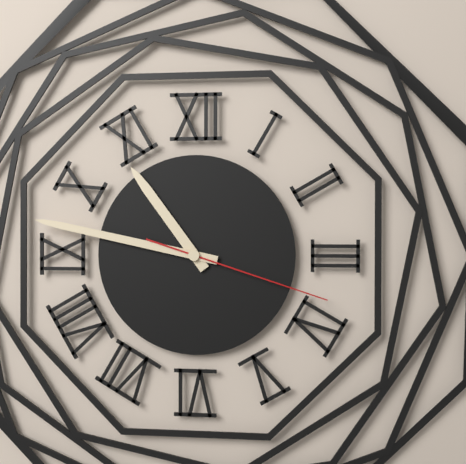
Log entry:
h=10 m=47 s=18
